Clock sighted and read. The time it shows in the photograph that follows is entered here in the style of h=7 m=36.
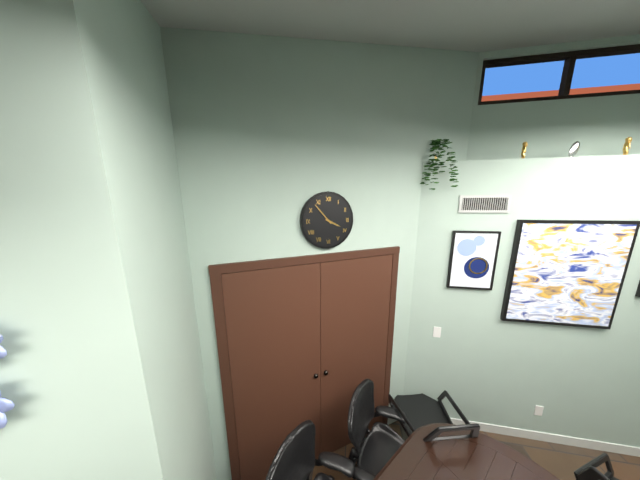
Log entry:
h=3 m=53
